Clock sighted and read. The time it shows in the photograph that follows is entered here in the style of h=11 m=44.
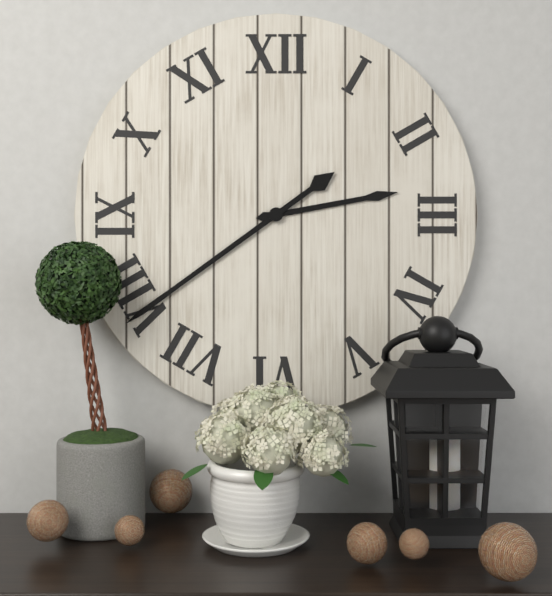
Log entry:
h=2 m=39
